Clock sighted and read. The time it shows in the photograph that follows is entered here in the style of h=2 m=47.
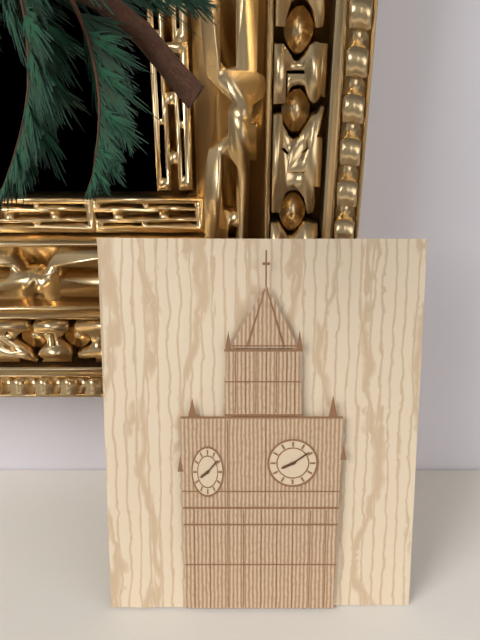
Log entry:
h=8 m=9
